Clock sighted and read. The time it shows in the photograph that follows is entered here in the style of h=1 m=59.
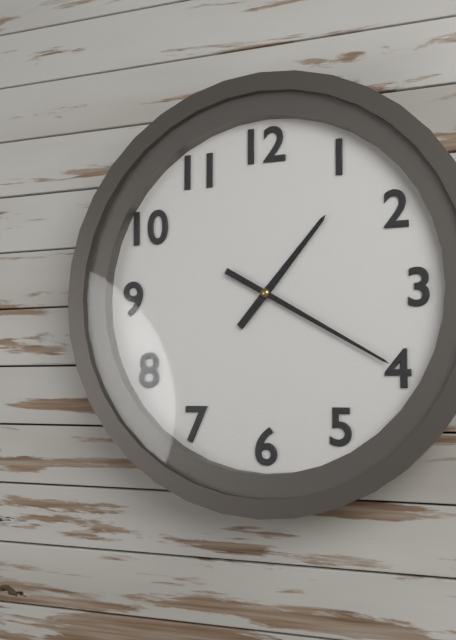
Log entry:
h=1 m=20
